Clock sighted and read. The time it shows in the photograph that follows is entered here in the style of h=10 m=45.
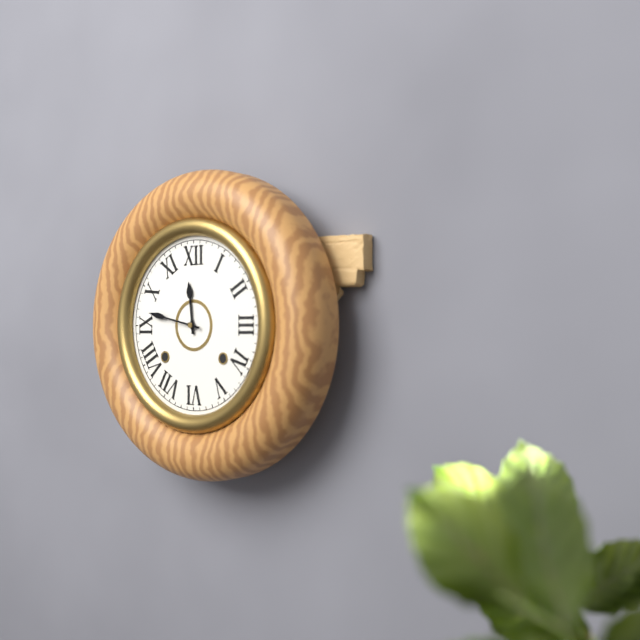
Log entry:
h=11 m=47
